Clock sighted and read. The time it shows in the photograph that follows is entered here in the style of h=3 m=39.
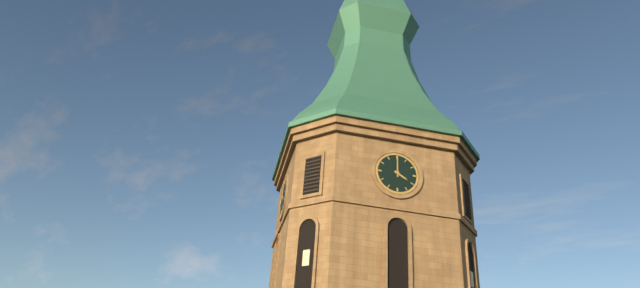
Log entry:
h=4 m=0
